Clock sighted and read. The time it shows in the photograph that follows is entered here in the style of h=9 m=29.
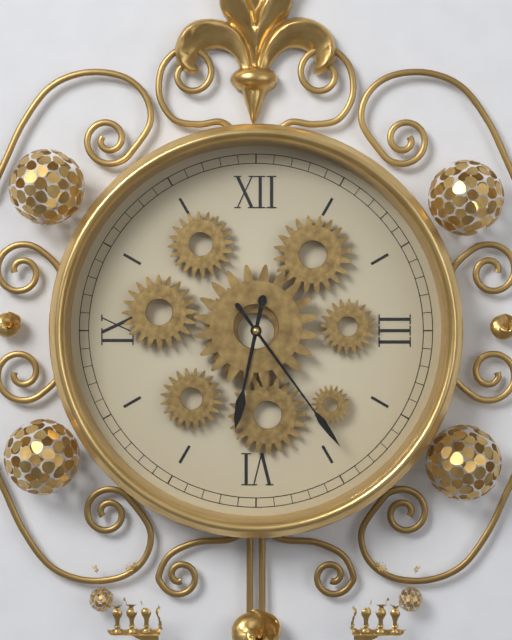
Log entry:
h=6 m=24
